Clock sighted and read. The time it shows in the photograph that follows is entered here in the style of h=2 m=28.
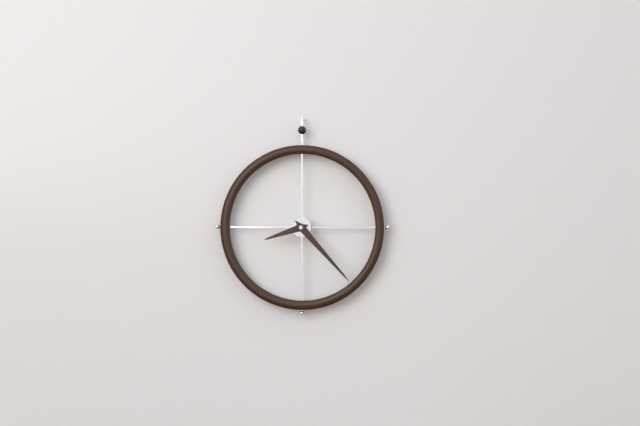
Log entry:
h=8 m=23
